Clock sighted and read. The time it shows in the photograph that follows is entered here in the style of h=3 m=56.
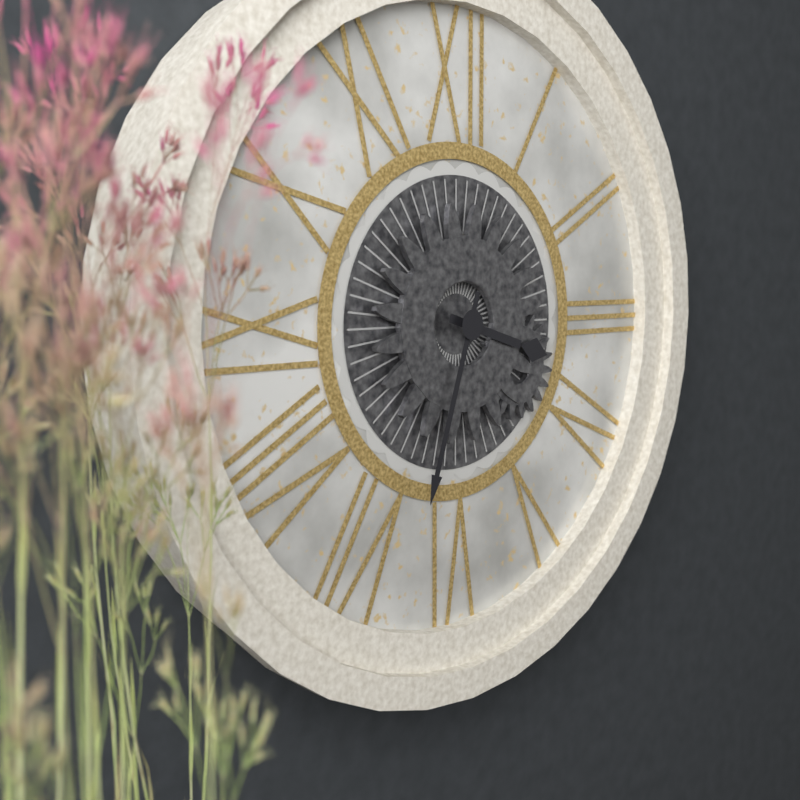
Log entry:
h=3 m=33
